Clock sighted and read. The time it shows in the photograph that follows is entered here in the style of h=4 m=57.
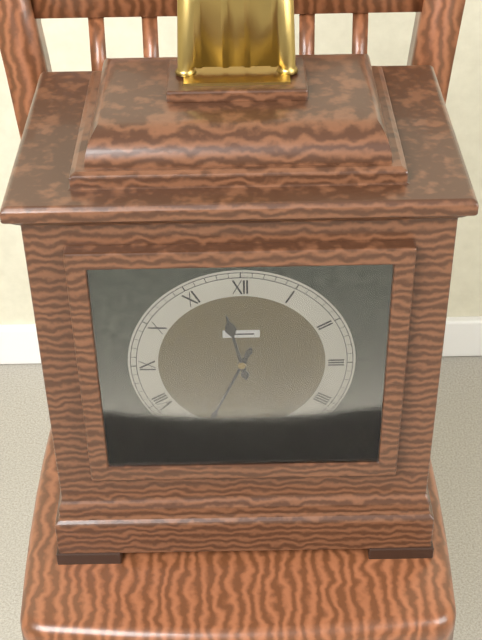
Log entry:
h=11 m=34
